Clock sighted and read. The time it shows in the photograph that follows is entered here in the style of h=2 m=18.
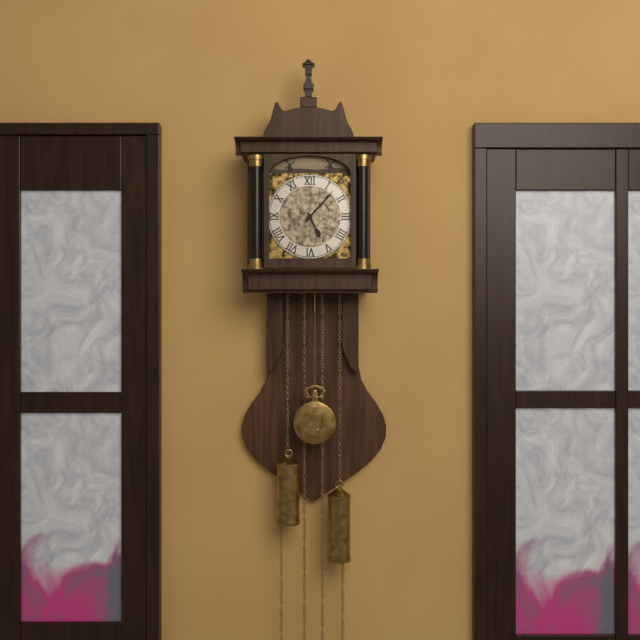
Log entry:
h=5 m=7
